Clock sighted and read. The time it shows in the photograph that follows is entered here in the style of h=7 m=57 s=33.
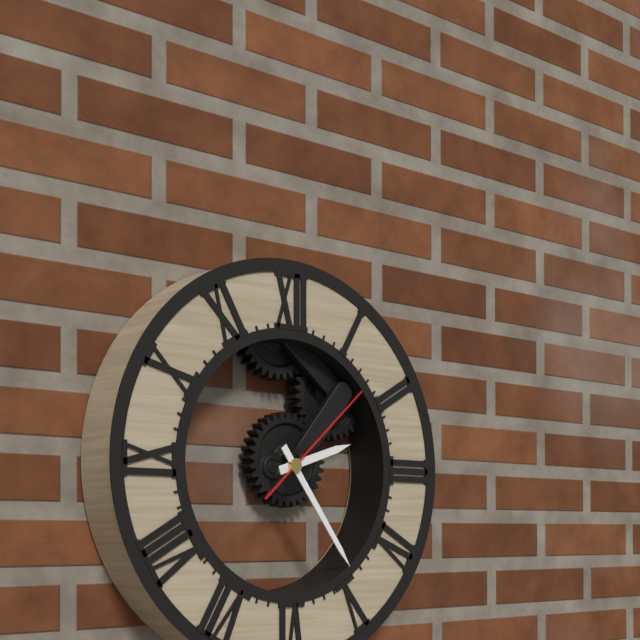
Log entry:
h=2 m=24 s=8
